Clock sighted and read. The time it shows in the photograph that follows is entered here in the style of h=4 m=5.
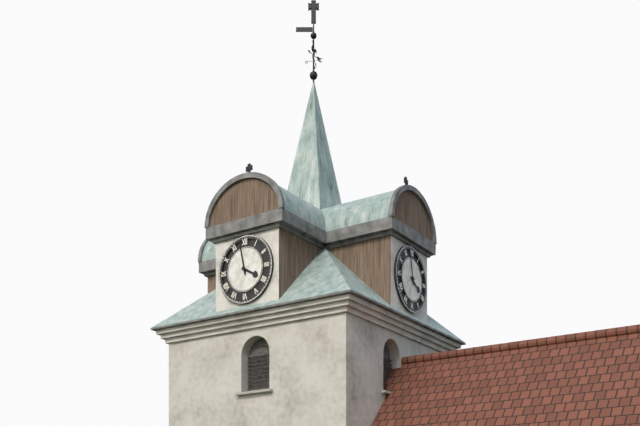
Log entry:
h=3 m=58
